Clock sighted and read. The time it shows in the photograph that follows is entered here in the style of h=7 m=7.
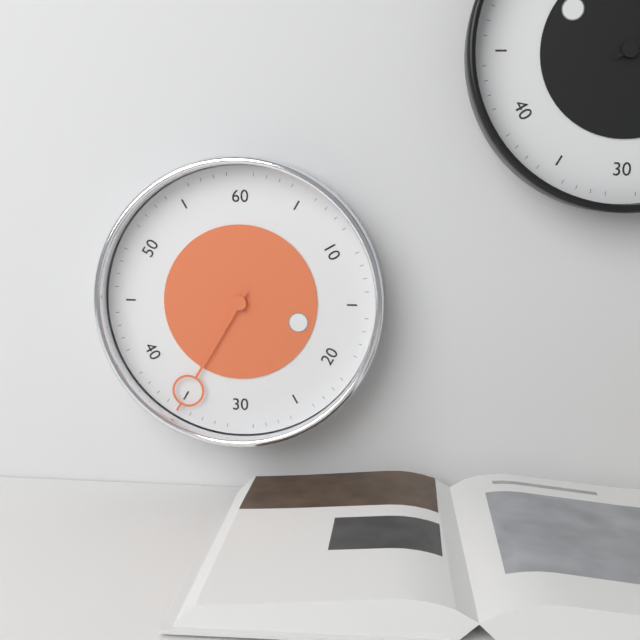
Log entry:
h=3 m=35
